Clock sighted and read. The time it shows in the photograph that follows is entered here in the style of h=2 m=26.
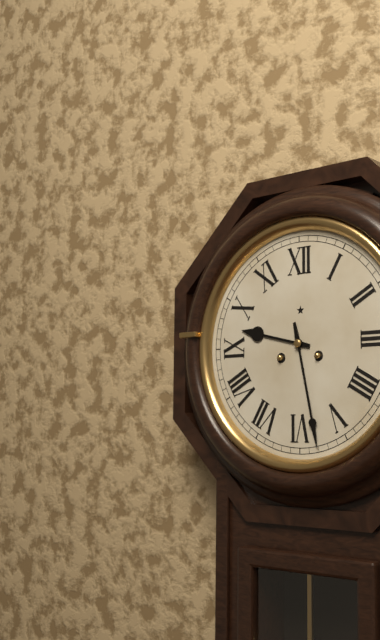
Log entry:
h=9 m=28
